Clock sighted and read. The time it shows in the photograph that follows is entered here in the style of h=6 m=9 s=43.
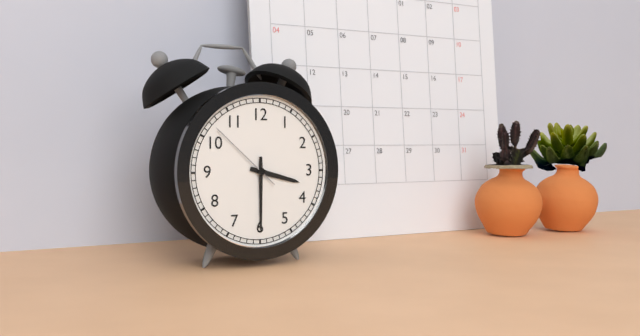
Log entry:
h=3 m=30 s=52
